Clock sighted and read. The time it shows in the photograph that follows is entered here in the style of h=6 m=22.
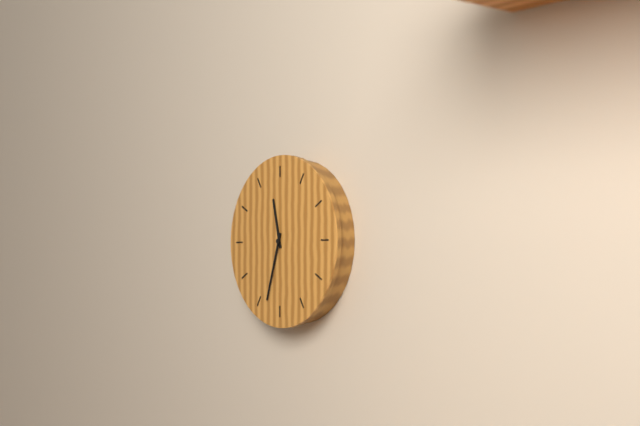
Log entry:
h=11 m=33
